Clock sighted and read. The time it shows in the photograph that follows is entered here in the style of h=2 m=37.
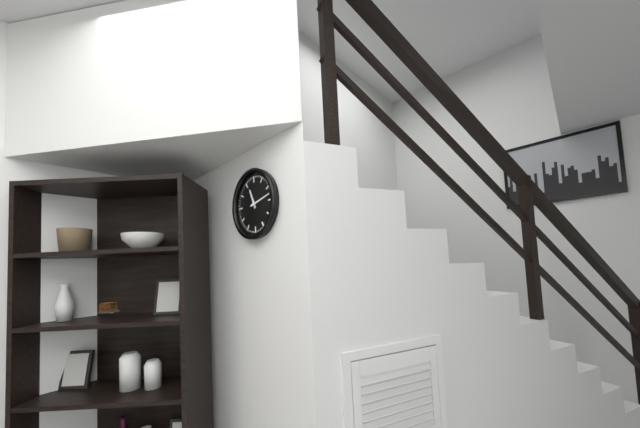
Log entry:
h=11 m=13
